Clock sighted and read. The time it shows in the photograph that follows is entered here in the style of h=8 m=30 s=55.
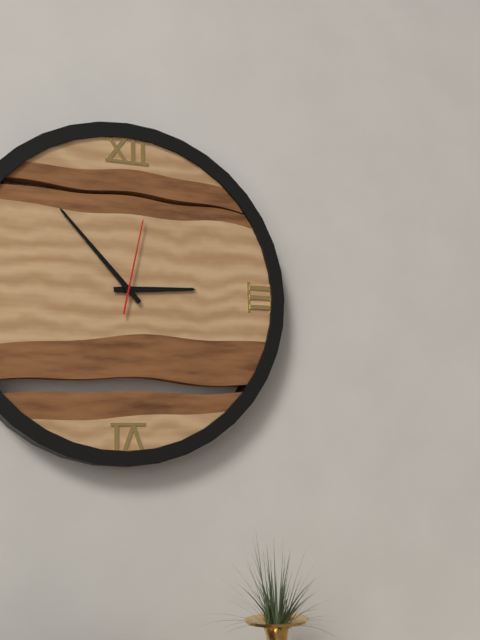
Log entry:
h=2 m=53 s=2
